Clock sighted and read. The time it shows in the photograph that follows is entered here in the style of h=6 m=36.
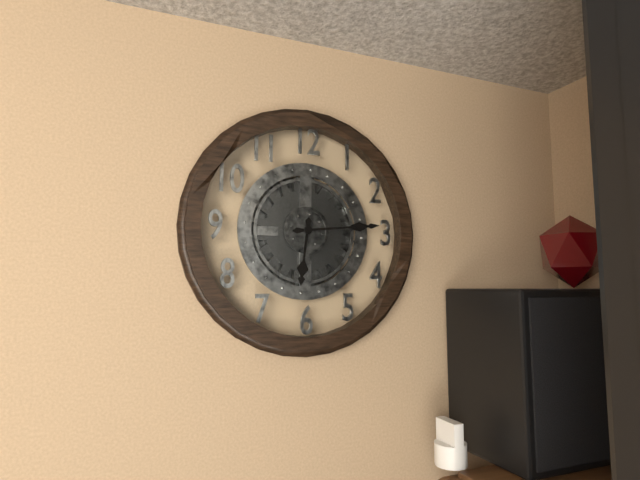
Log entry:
h=6 m=14
